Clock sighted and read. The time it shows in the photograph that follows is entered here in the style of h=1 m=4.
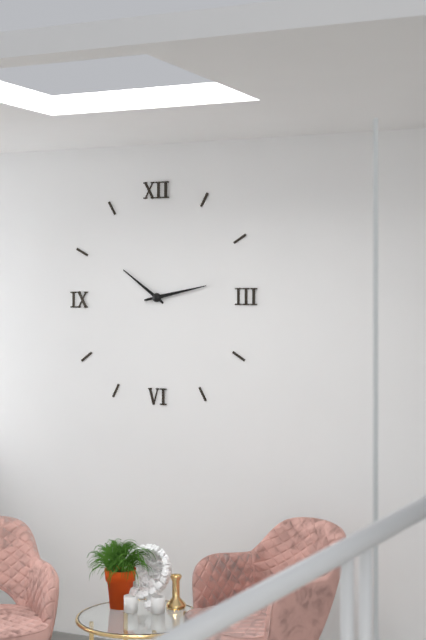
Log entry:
h=10 m=13
